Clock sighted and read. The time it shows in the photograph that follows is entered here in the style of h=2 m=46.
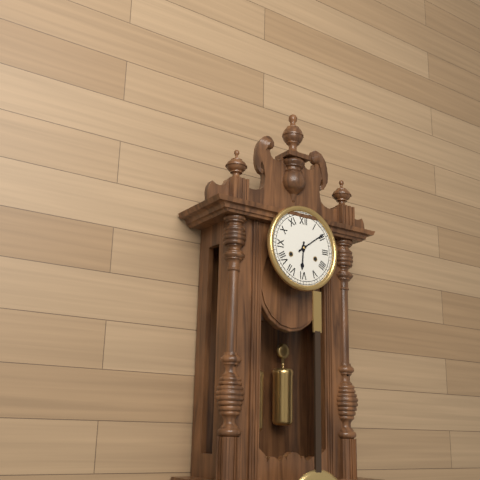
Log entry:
h=6 m=9
